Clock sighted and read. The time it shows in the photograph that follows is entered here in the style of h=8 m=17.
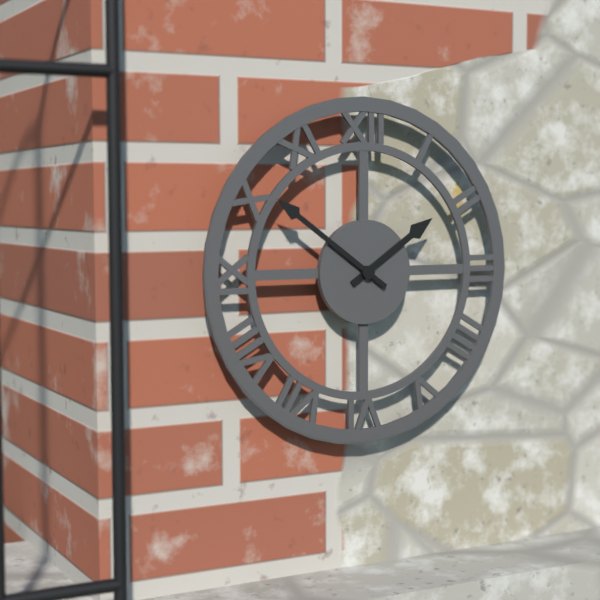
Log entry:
h=1 m=51
